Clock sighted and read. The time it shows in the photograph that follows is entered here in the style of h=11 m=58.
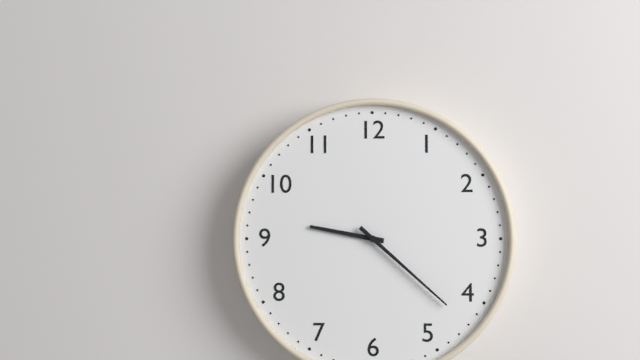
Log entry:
h=9 m=22
